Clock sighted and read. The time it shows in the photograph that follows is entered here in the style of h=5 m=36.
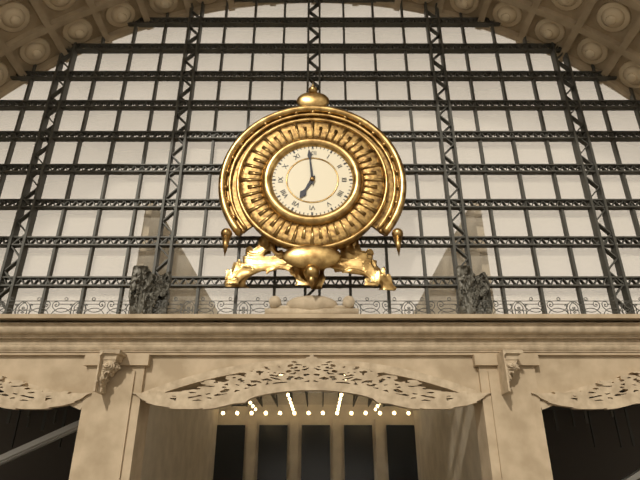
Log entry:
h=6 m=59
